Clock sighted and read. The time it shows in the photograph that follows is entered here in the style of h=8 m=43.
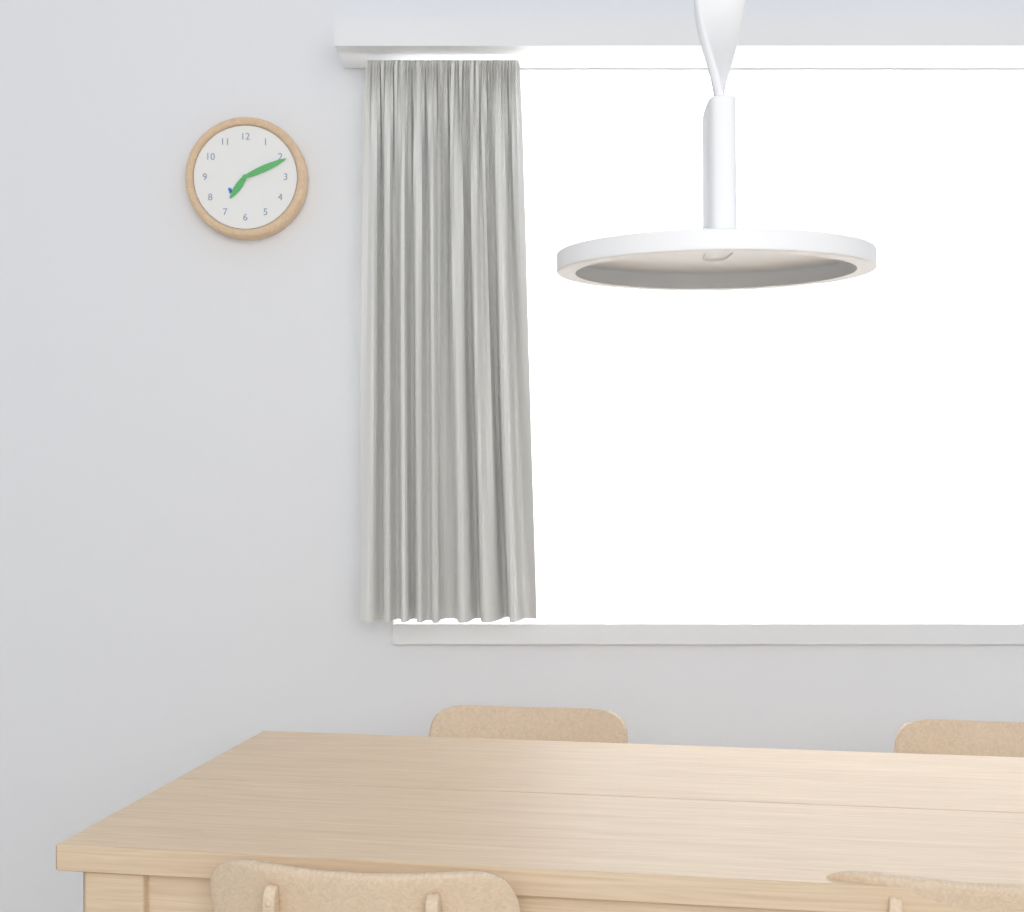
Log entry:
h=7 m=11
